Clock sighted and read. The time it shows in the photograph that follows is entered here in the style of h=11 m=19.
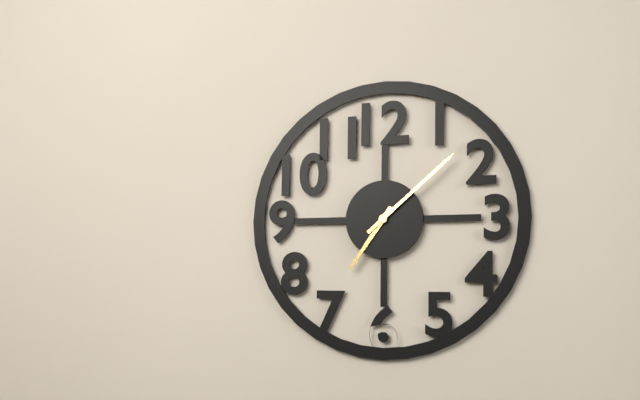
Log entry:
h=7 m=8
